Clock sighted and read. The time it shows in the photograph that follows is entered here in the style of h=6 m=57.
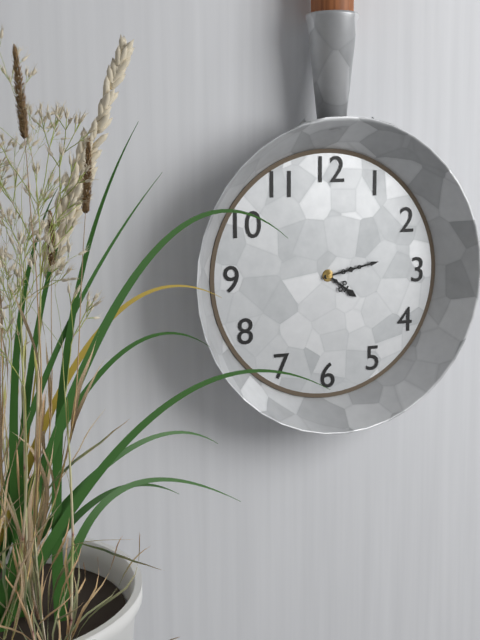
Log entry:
h=4 m=13
